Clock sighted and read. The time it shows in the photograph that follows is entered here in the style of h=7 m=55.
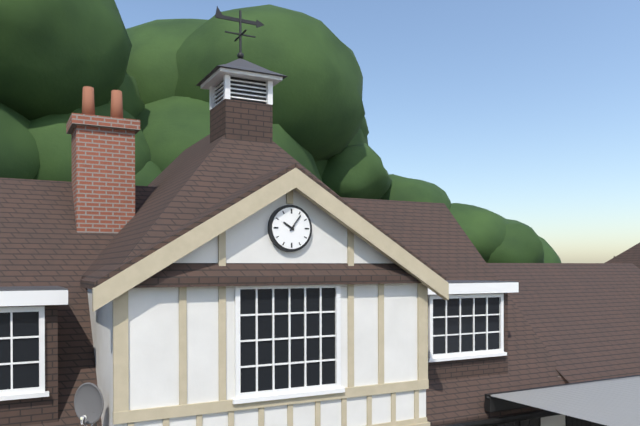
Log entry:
h=10 m=6
